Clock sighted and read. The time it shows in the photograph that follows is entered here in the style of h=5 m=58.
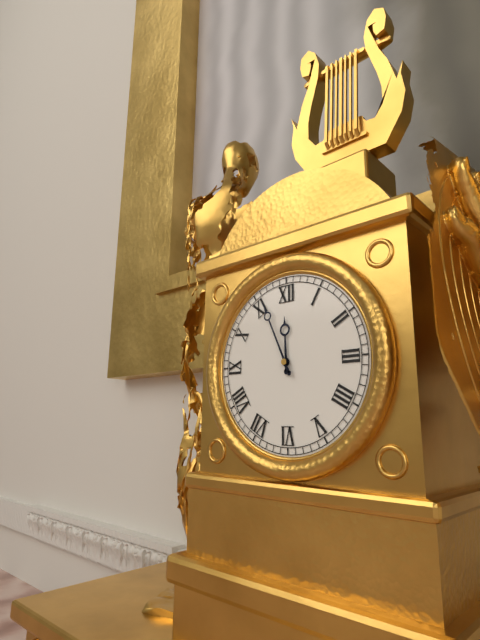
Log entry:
h=11 m=56
